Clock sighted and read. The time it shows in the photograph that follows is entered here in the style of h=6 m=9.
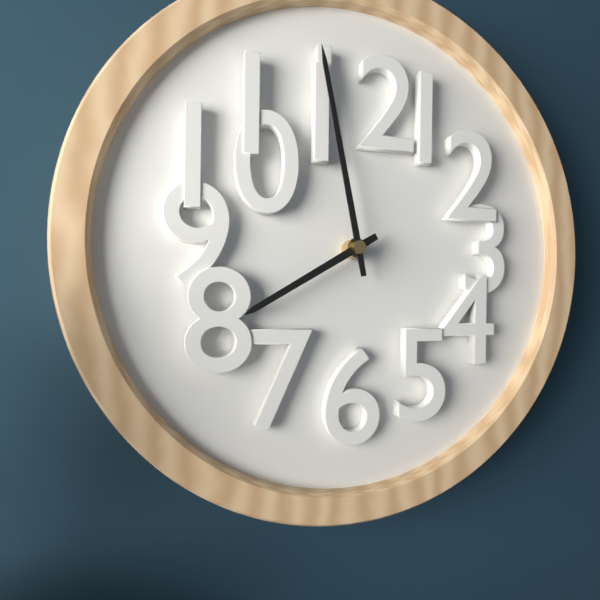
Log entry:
h=7 m=58
